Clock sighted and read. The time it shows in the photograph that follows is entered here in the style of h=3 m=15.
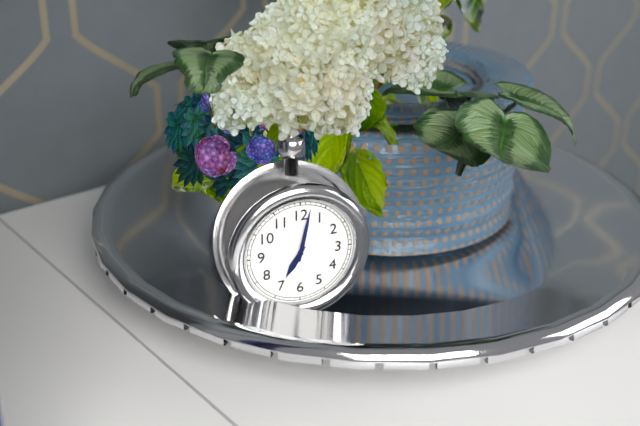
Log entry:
h=7 m=2
